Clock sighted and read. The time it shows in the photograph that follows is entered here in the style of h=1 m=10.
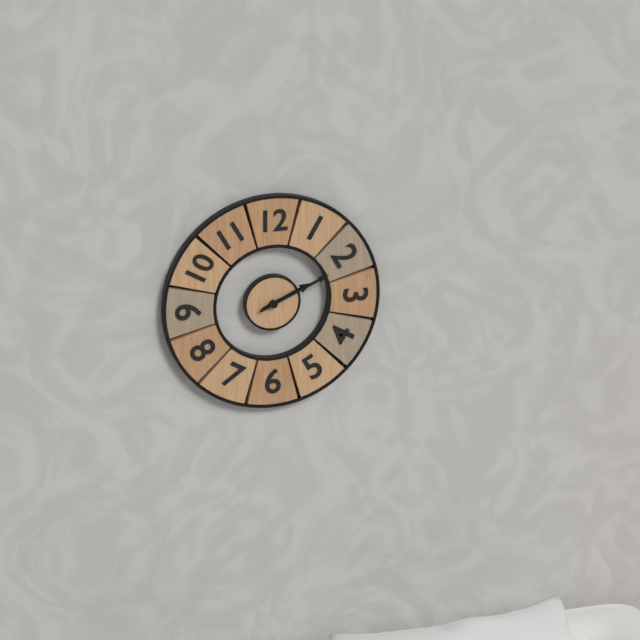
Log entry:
h=2 m=11
